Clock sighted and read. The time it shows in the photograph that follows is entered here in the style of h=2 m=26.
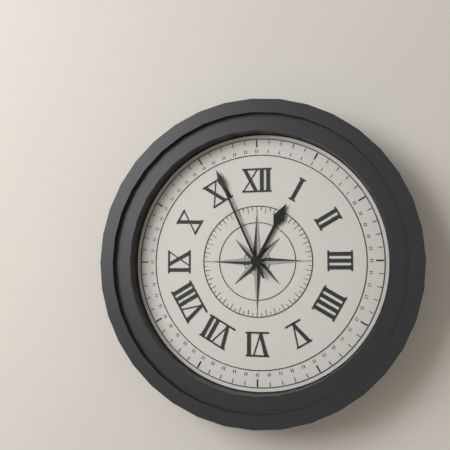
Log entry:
h=12 m=56
